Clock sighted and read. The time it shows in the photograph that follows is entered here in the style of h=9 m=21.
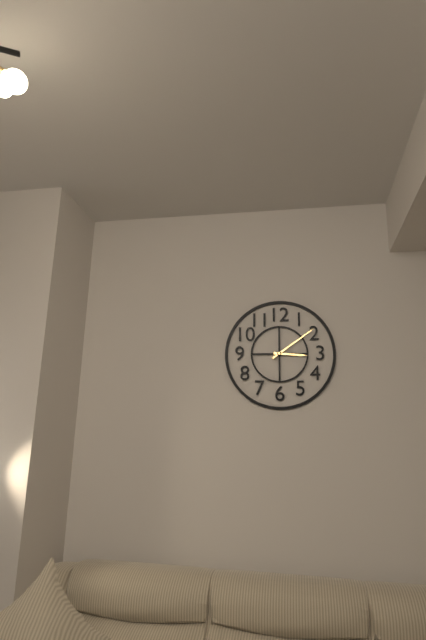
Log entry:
h=3 m=9
